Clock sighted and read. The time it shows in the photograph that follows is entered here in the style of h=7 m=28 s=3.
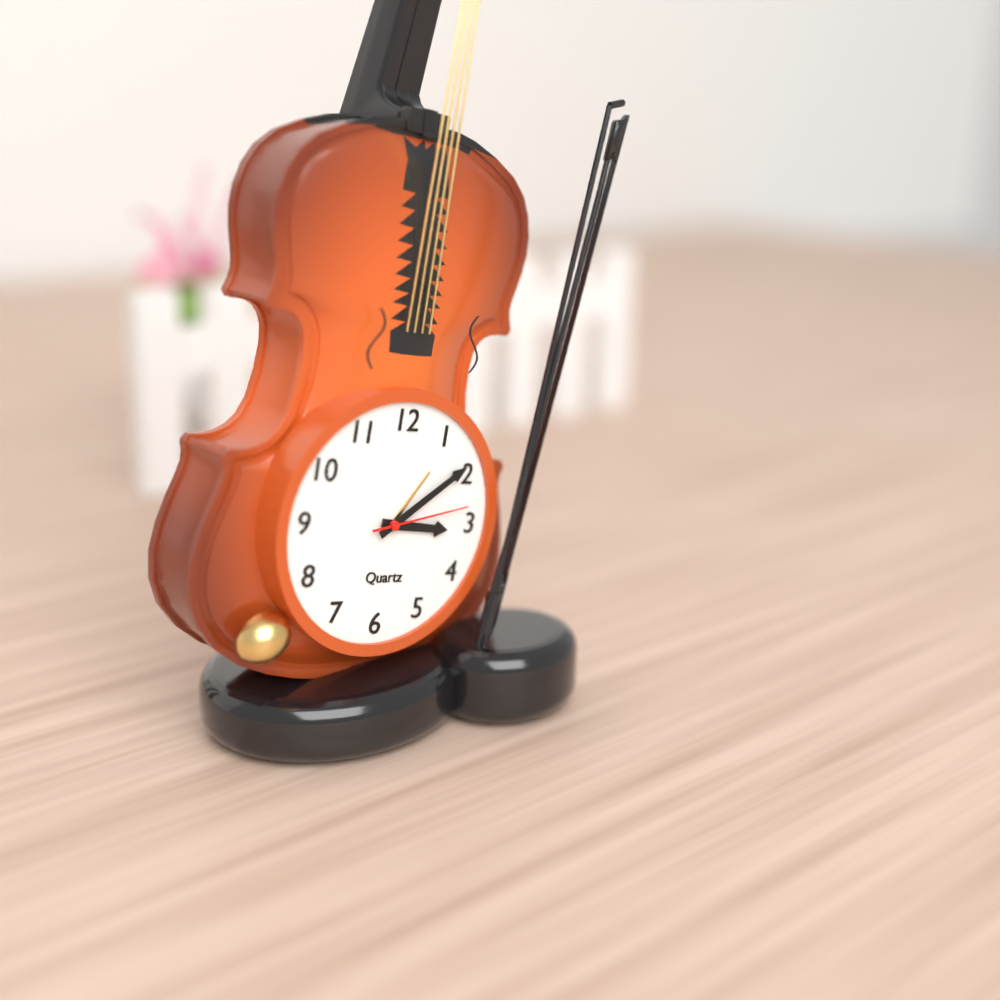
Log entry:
h=3 m=9 s=13
